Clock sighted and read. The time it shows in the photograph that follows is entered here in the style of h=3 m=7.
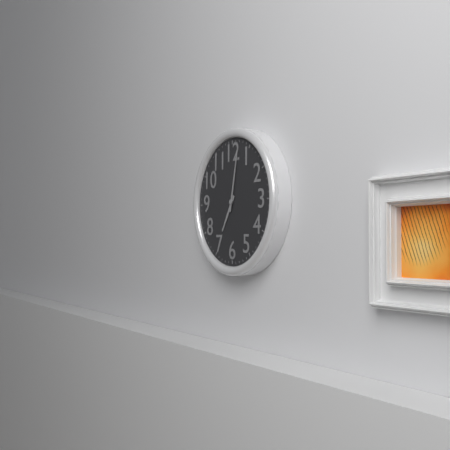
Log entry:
h=7 m=2
